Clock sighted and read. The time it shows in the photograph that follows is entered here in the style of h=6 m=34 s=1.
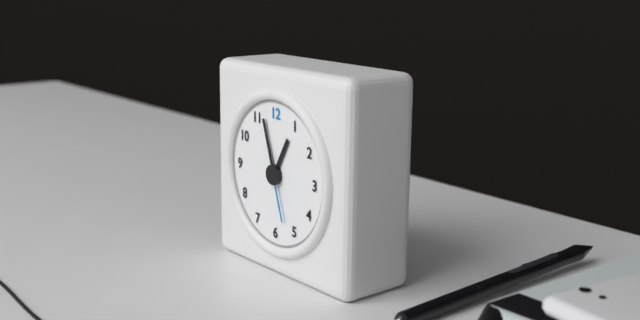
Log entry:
h=12 m=57 s=27
